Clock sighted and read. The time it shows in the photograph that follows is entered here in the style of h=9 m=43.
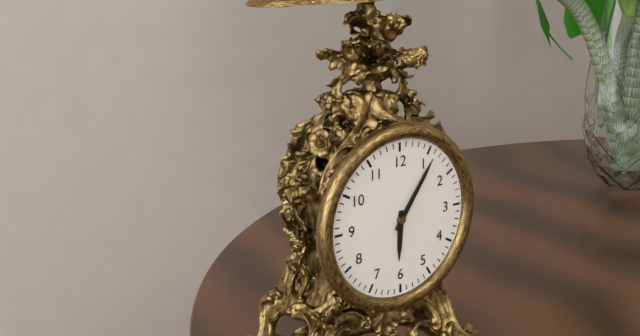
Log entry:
h=6 m=6
